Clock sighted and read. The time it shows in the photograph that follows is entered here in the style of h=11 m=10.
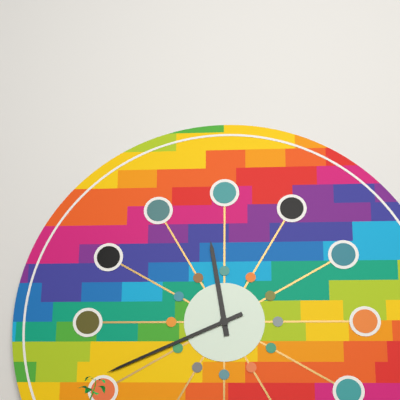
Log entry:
h=11 m=41
